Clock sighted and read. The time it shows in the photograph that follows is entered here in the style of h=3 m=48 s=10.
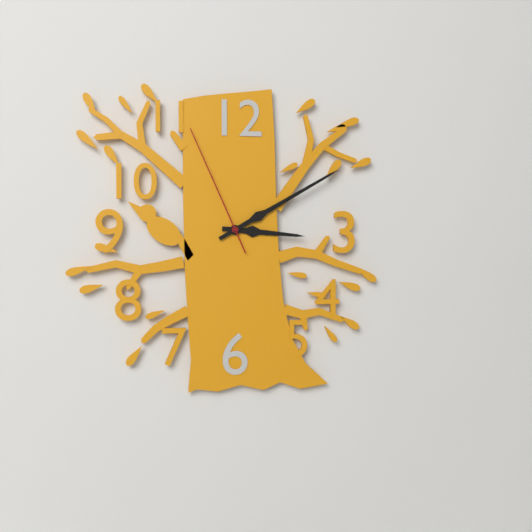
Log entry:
h=3 m=10 s=56
